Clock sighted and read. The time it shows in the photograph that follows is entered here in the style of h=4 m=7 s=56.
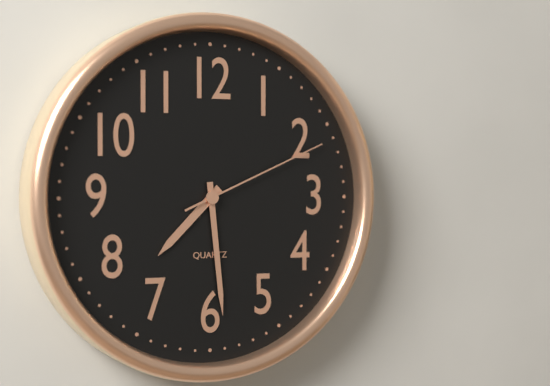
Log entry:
h=7 m=29 s=11
